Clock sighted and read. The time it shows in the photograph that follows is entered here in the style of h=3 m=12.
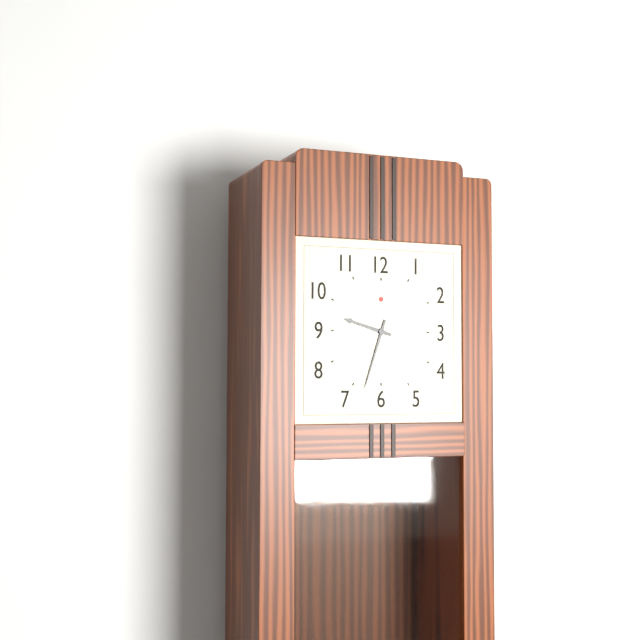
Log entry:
h=9 m=33
